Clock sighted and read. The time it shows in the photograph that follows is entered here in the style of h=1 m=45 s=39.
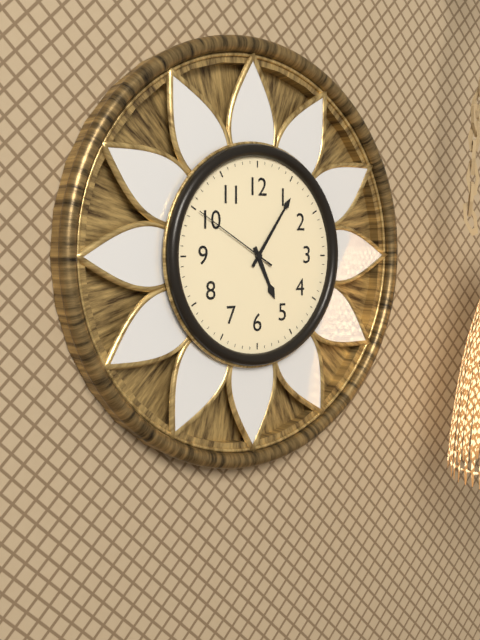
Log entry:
h=5 m=6 s=50
